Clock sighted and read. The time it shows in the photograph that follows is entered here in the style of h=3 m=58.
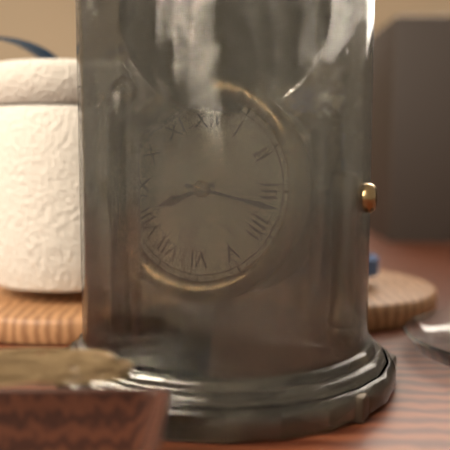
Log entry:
h=8 m=17
